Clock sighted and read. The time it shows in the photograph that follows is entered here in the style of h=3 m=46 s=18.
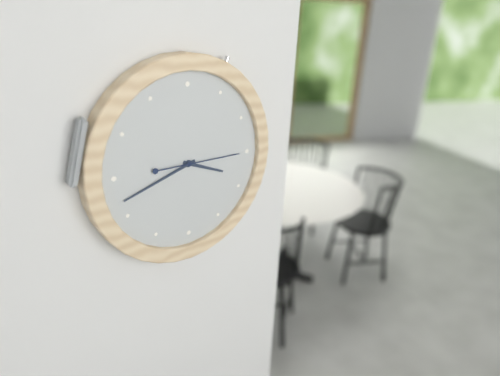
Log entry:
h=3 m=42 s=15
